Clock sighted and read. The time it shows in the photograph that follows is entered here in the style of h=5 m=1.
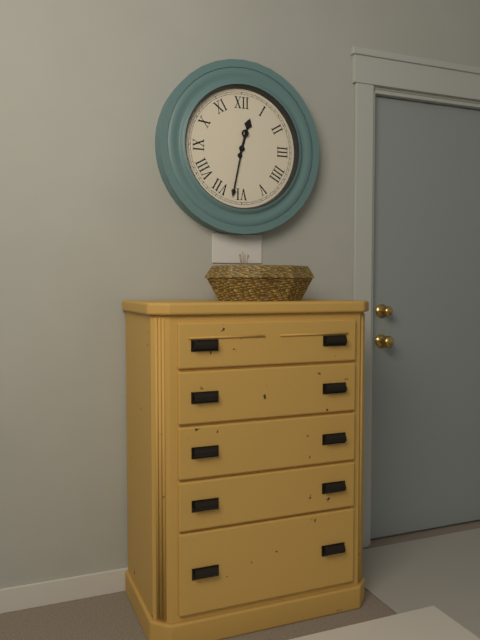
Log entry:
h=12 m=32
